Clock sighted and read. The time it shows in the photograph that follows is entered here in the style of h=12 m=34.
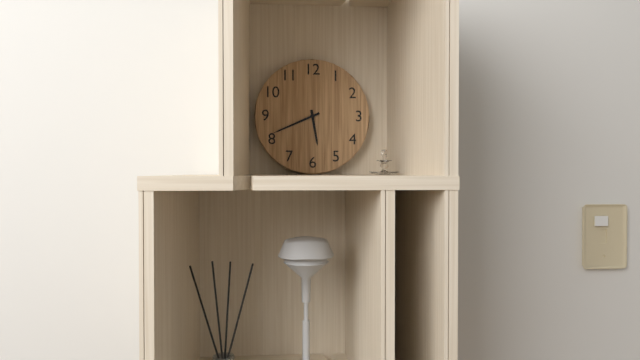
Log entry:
h=5 m=41
